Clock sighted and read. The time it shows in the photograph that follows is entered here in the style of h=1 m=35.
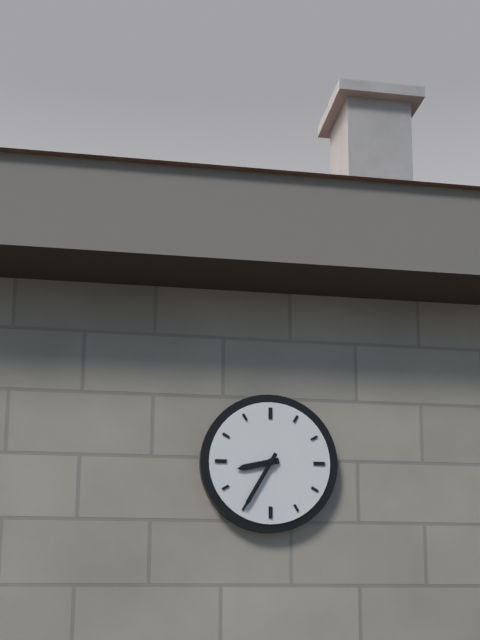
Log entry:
h=8 m=35
